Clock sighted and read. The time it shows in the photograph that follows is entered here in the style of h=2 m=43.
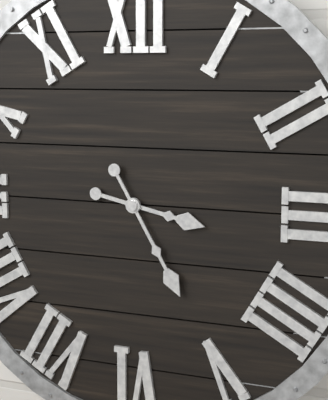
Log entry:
h=3 m=25
